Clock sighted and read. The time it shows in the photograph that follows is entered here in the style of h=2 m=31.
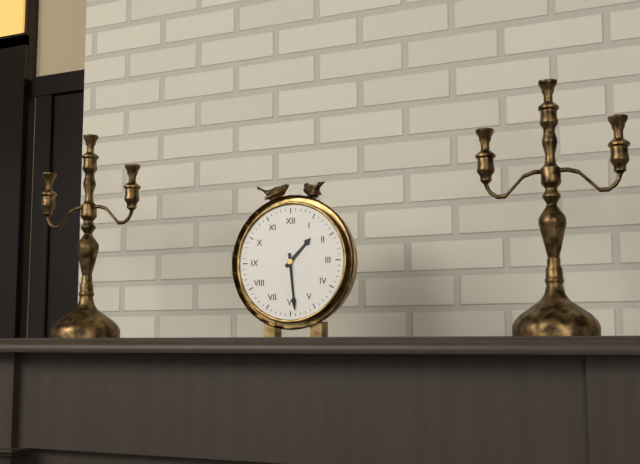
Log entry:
h=1 m=29
